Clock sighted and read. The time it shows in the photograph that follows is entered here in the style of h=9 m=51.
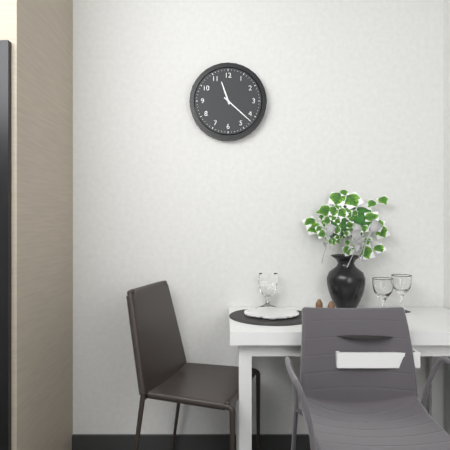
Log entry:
h=11 m=22
